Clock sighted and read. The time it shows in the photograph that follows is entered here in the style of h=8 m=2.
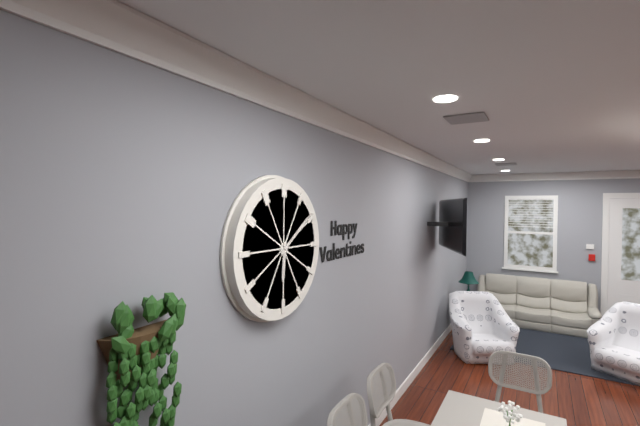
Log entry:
h=6 m=9
